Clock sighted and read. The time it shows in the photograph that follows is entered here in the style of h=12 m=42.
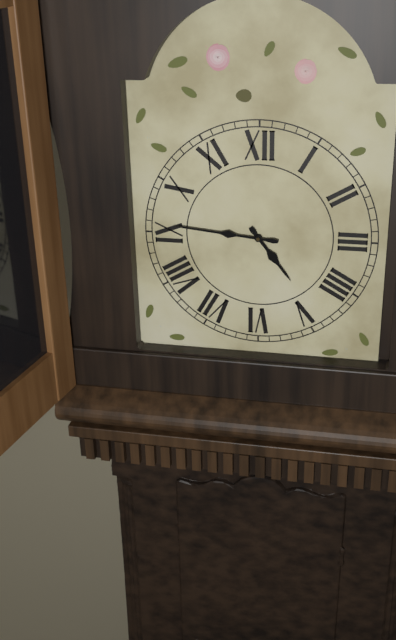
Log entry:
h=4 m=46
